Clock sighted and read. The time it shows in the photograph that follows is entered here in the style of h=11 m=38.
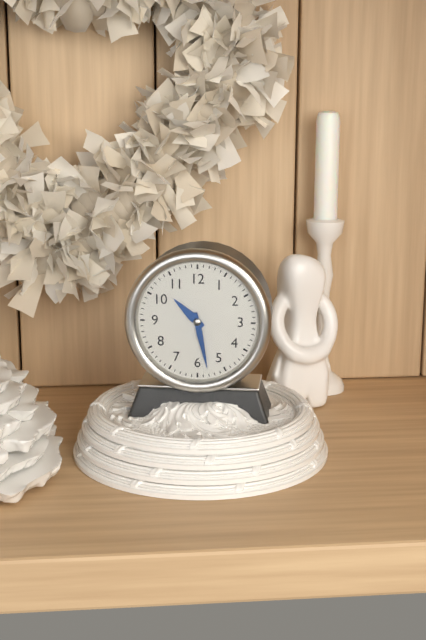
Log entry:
h=10 m=28
